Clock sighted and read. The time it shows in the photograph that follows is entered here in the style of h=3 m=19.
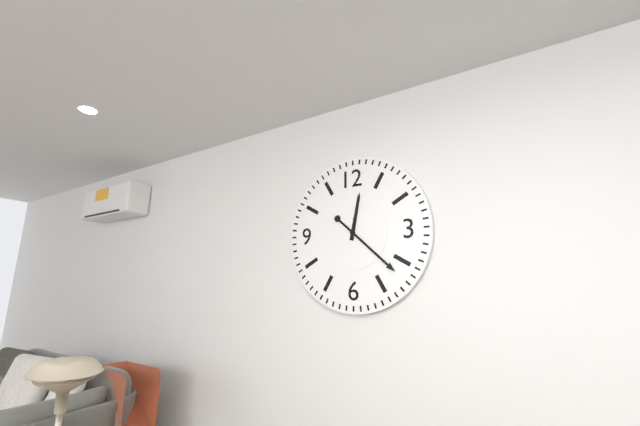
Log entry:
h=12 m=22
